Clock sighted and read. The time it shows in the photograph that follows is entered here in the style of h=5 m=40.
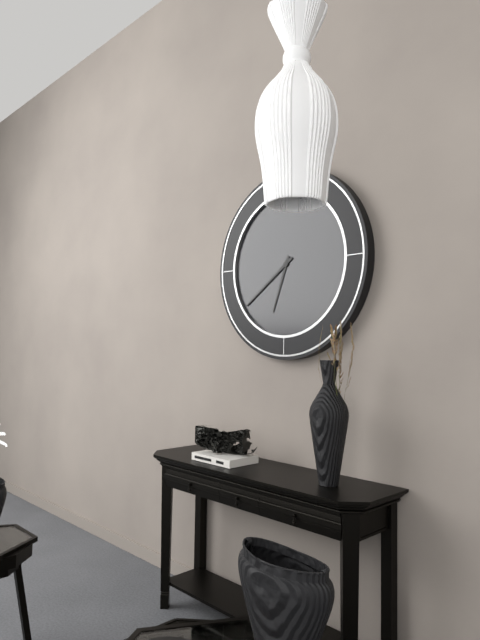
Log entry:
h=6 m=39
